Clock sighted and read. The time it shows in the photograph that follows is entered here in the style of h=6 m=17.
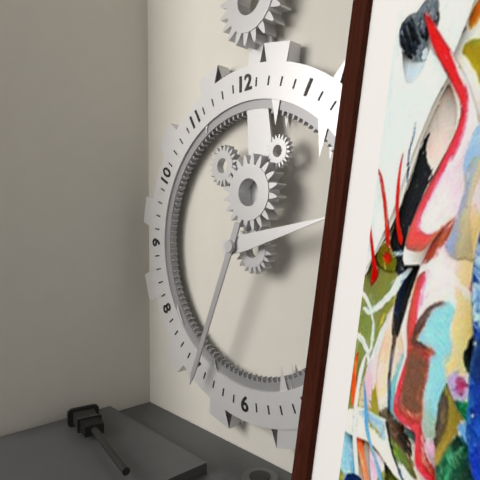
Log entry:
h=2 m=34
